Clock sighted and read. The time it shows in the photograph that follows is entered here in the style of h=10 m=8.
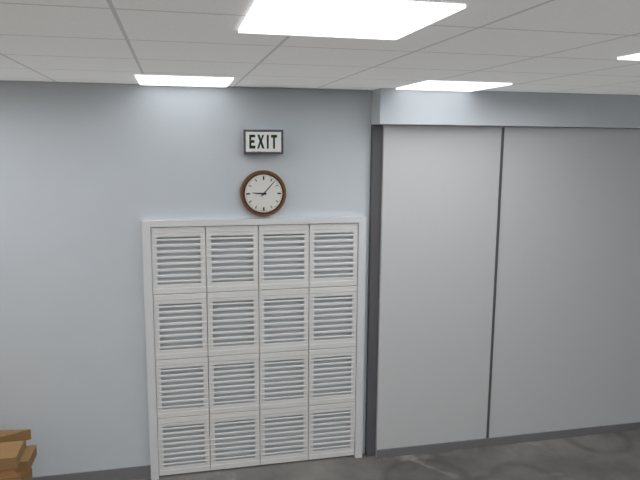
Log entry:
h=9 m=7
